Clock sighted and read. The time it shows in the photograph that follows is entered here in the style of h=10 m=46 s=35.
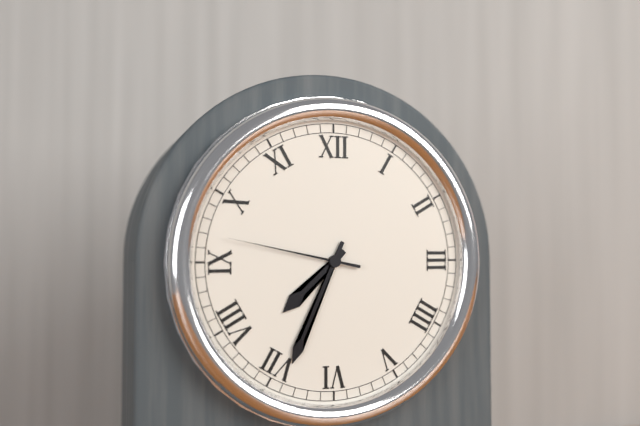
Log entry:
h=7 m=34 s=47
